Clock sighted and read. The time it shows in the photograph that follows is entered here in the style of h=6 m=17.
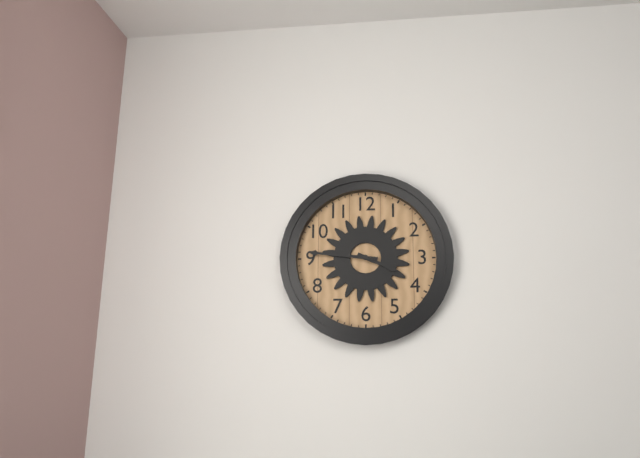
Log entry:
h=3 m=46
